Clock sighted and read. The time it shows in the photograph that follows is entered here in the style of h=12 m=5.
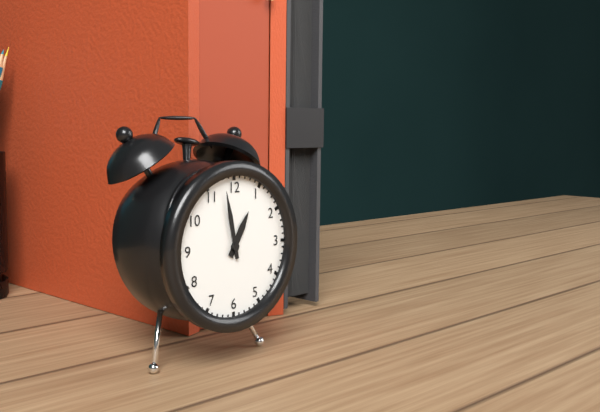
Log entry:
h=12 m=58
